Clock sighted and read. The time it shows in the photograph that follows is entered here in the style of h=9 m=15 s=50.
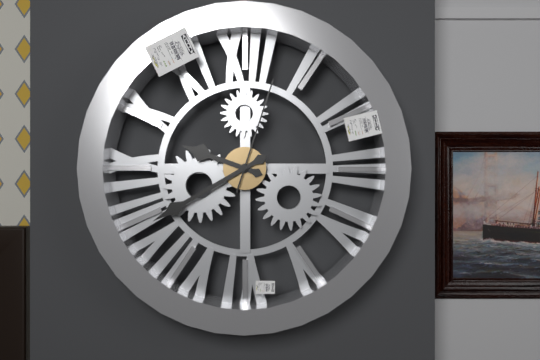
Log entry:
h=9 m=40 s=3
